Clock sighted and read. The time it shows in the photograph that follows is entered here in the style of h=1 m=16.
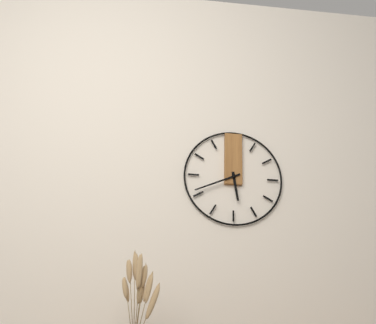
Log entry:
h=5 m=41
